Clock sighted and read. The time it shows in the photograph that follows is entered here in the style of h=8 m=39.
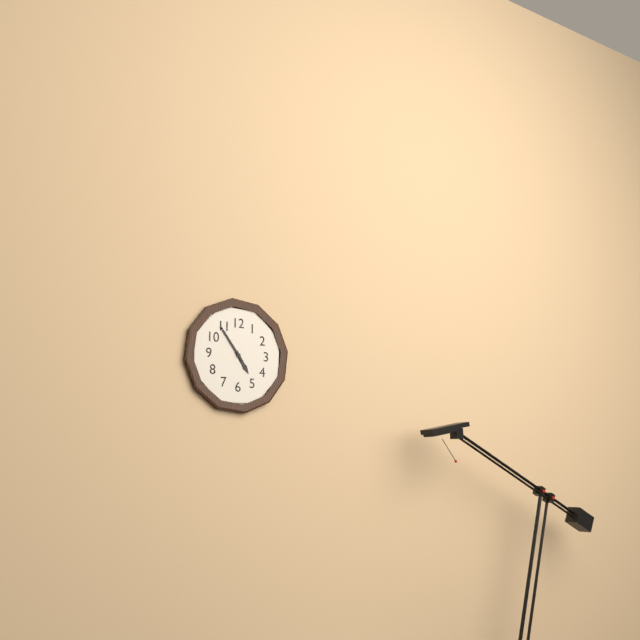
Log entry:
h=4 m=54
